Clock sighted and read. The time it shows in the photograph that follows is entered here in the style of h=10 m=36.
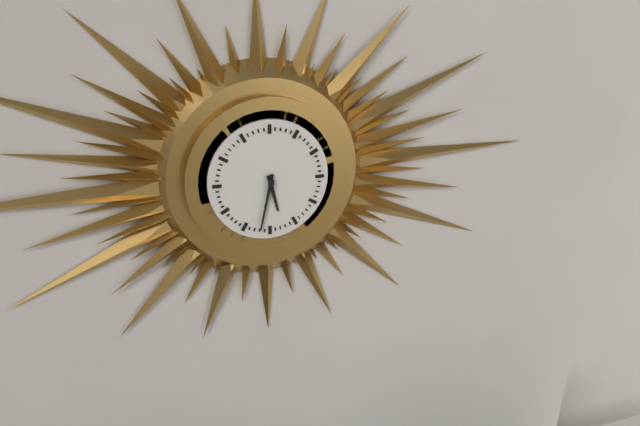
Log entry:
h=5 m=32
